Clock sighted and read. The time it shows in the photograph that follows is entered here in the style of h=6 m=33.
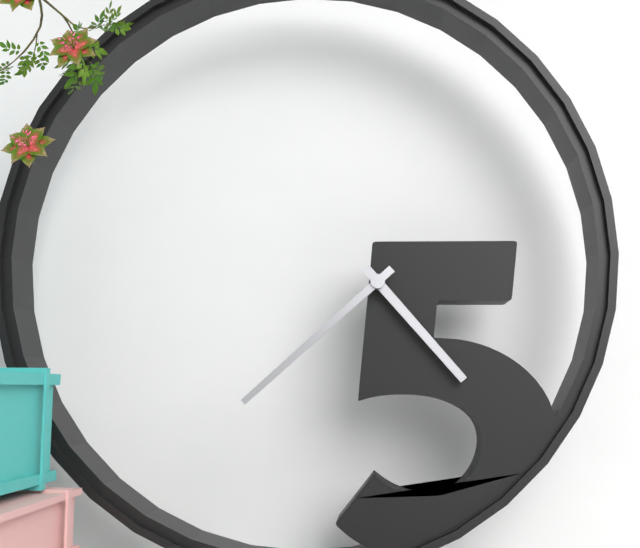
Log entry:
h=4 m=38
